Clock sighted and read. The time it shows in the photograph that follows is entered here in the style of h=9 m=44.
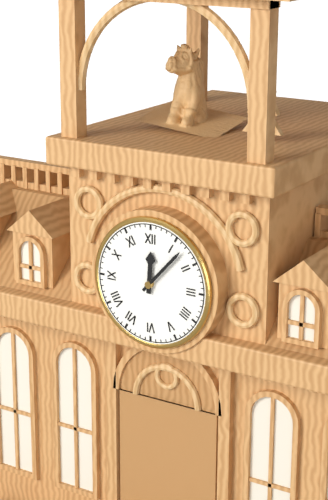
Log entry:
h=12 m=7
